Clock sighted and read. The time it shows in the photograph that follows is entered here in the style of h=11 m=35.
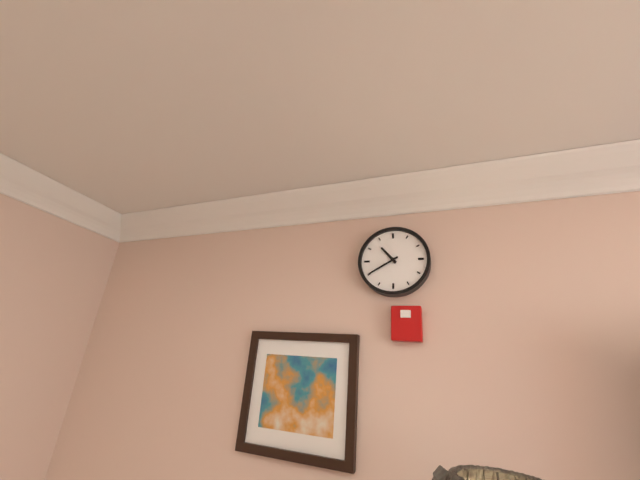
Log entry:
h=10 m=40
